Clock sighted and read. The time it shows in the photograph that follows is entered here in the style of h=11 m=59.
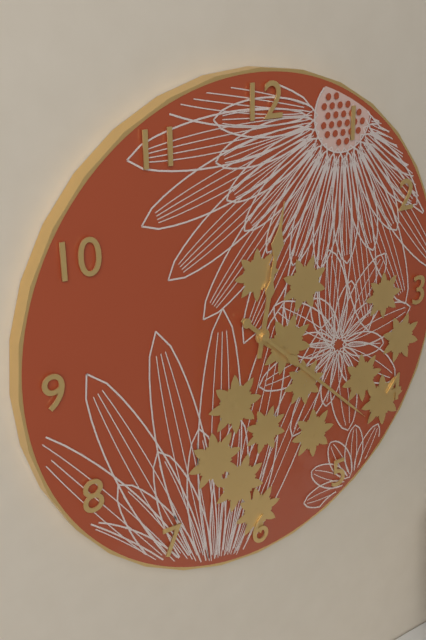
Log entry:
h=12 m=22
